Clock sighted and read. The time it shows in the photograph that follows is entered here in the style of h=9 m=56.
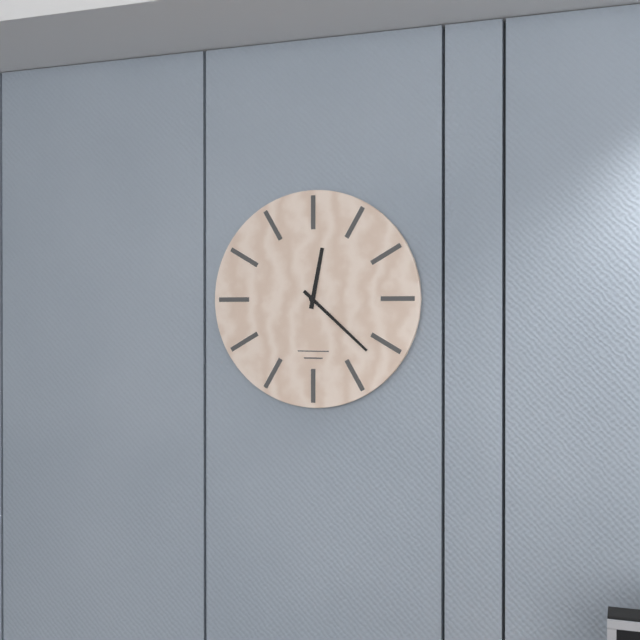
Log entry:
h=12 m=22
